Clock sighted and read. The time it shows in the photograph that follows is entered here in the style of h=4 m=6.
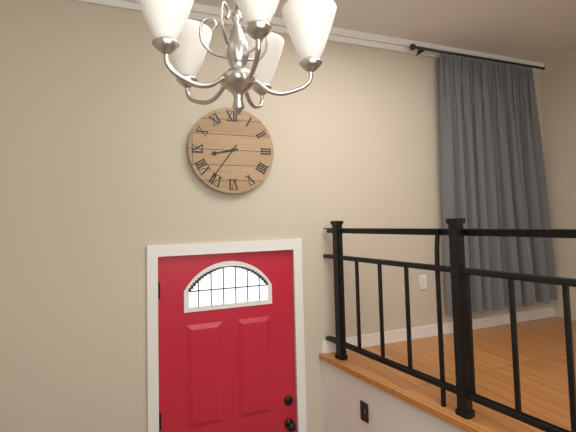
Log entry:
h=8 m=36
